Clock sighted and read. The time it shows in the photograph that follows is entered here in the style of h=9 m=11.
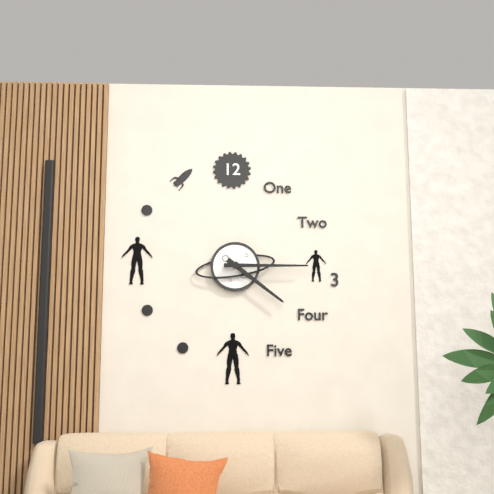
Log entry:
h=4 m=15
